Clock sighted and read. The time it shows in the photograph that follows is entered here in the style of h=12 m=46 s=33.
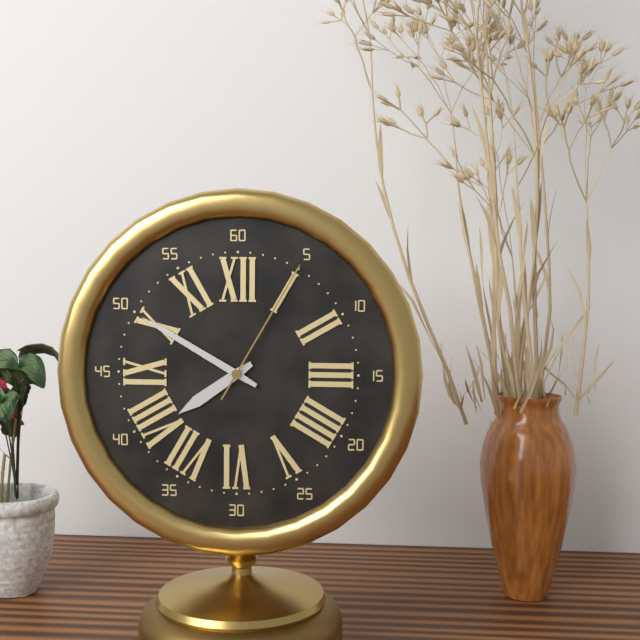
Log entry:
h=7 m=50 s=5
